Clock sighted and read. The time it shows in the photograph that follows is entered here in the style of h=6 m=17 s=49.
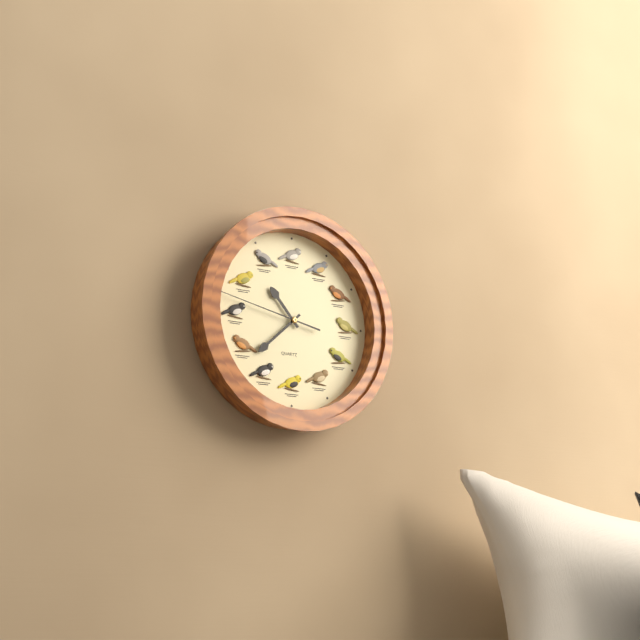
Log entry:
h=10 m=38 s=47
